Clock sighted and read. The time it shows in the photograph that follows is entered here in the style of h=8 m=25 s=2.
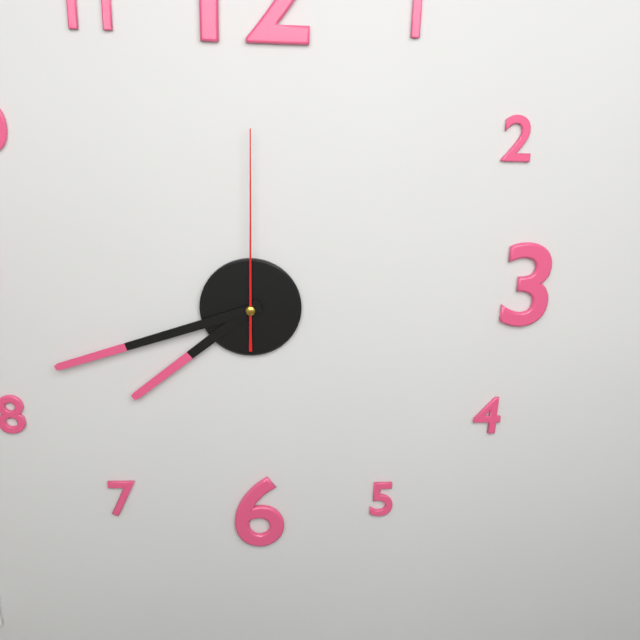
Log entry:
h=7 m=42 s=0
